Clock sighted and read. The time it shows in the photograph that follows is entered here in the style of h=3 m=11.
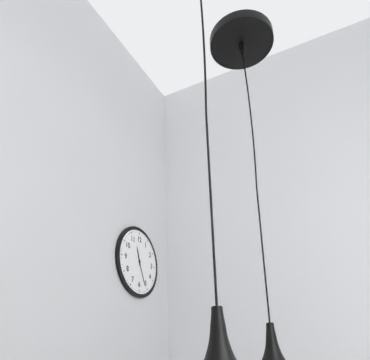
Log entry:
h=11 m=26
